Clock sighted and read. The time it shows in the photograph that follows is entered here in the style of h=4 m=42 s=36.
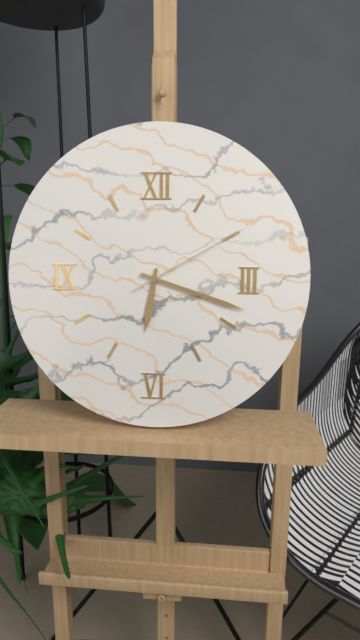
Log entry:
h=6 m=18 s=10
